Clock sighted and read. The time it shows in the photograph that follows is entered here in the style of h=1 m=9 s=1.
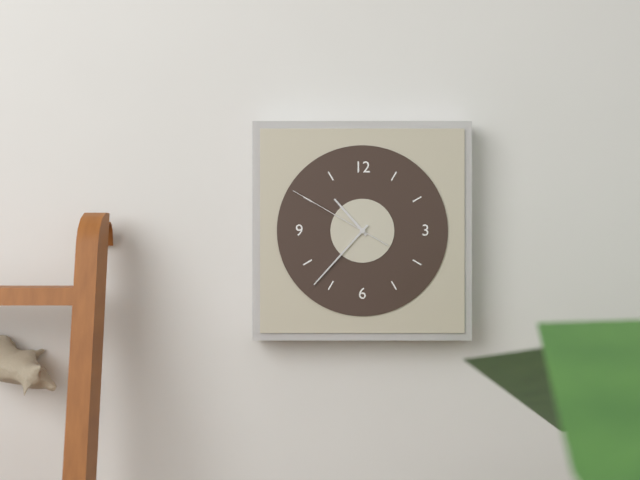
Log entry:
h=10 m=37 s=50
